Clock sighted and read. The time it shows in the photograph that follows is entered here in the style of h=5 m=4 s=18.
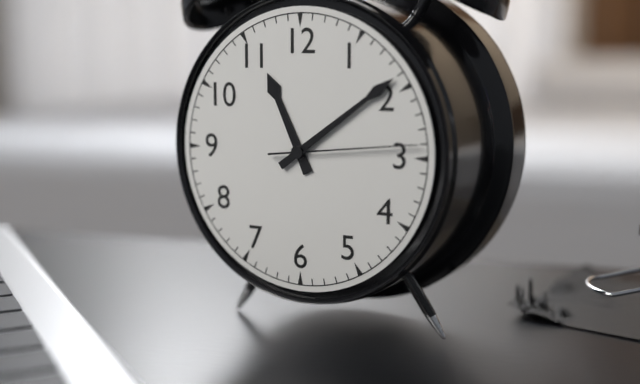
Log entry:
h=11 m=9 s=14
